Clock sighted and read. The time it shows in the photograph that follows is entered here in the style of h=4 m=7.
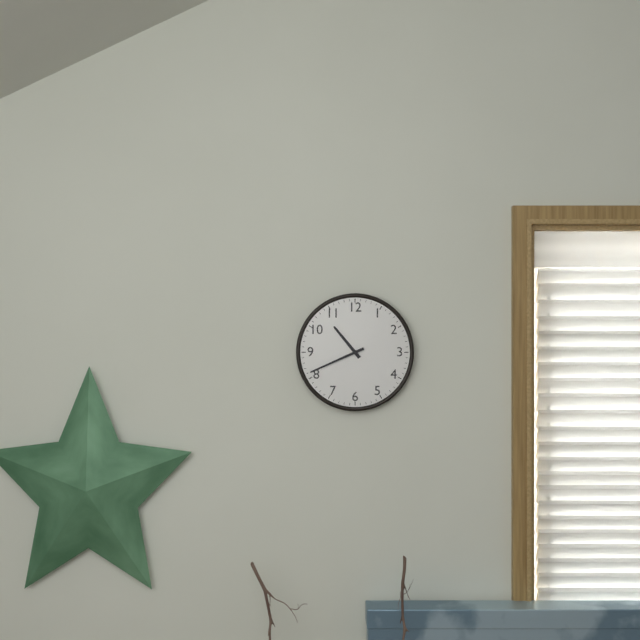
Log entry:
h=10 m=41
